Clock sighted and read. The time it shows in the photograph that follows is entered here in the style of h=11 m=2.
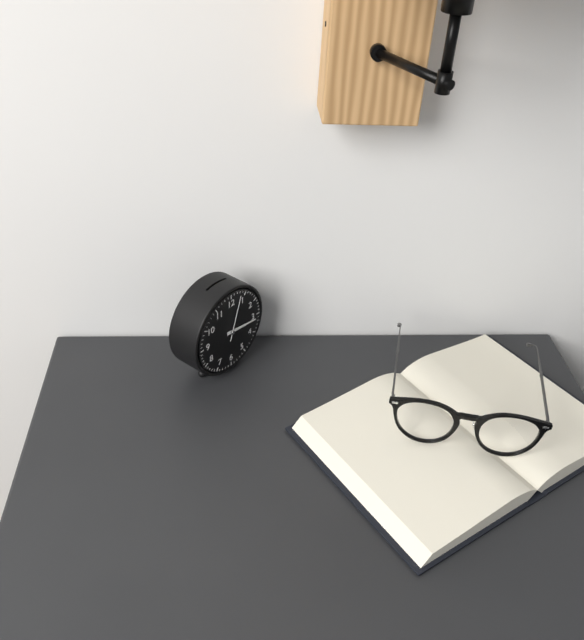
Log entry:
h=3 m=16
